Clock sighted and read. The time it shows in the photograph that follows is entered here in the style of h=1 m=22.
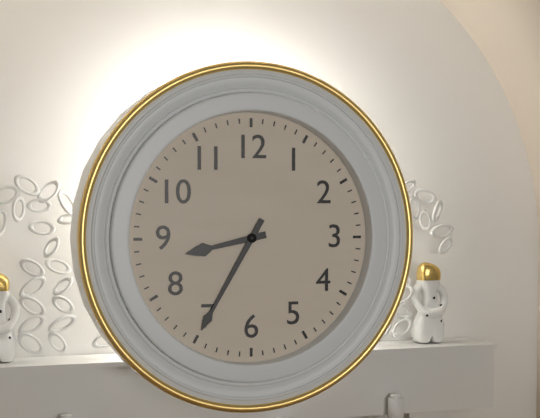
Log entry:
h=8 m=35
